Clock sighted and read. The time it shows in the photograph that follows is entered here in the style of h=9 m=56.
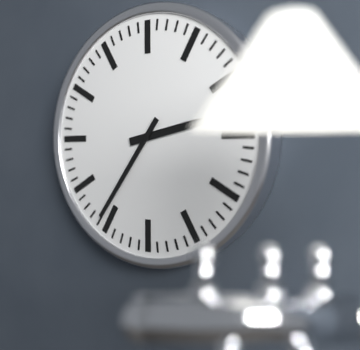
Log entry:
h=2 m=36
